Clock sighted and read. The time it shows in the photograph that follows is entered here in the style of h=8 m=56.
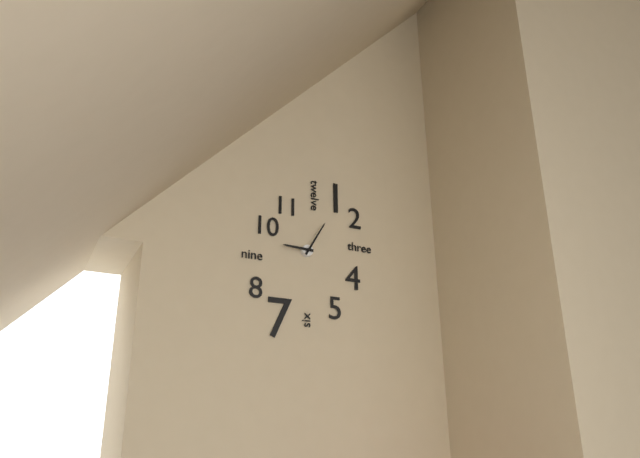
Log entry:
h=9 m=5
